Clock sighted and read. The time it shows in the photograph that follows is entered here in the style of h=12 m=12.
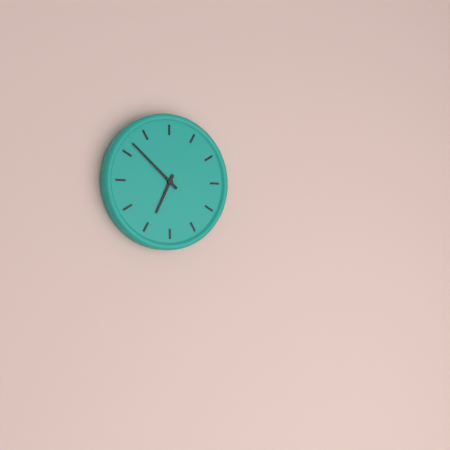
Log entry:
h=6 m=52
